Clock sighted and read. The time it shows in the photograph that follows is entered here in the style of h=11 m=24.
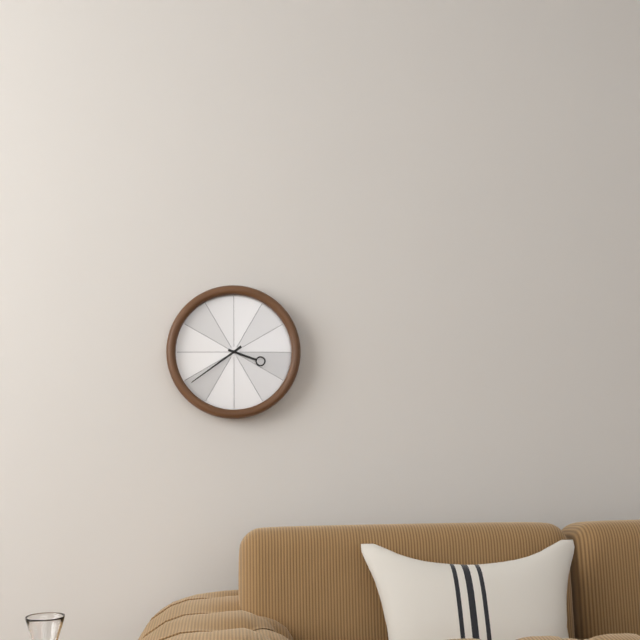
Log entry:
h=3 m=39
